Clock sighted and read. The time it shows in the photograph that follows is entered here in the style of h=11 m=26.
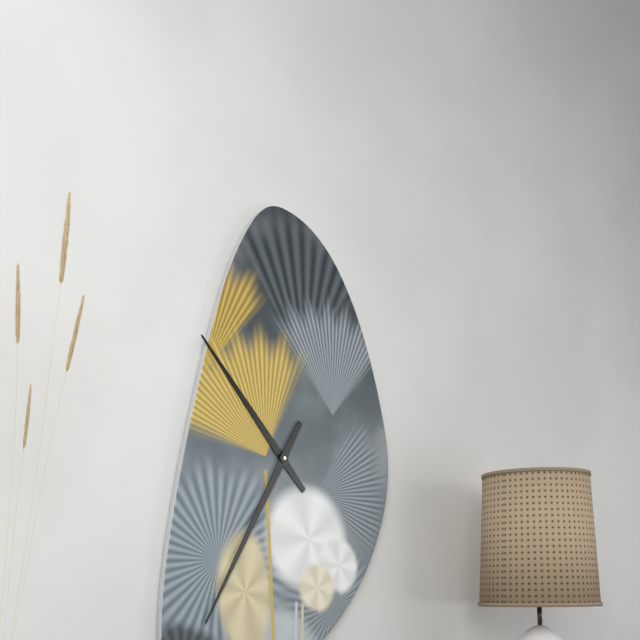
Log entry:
h=10 m=35
